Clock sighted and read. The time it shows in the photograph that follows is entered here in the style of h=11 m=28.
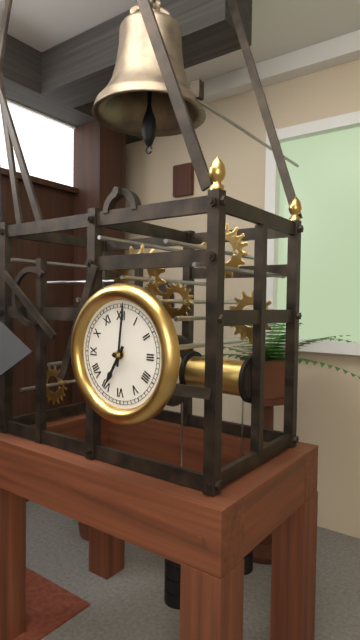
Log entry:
h=7 m=1
